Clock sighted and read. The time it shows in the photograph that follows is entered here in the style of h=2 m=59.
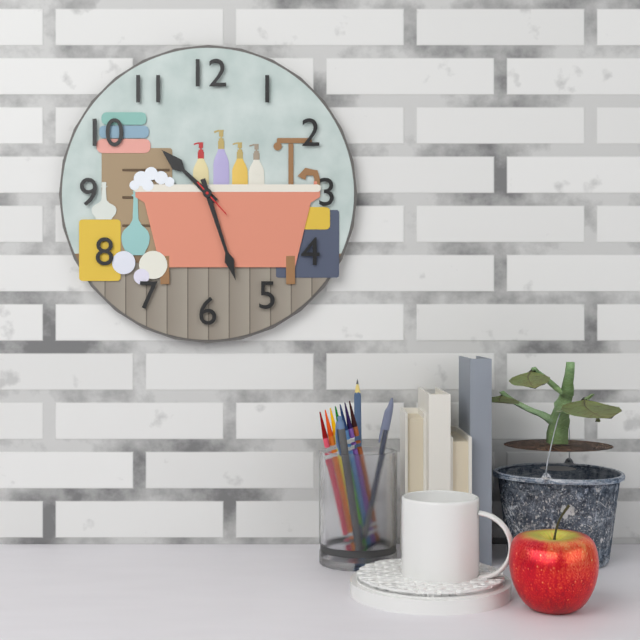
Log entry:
h=10 m=27
